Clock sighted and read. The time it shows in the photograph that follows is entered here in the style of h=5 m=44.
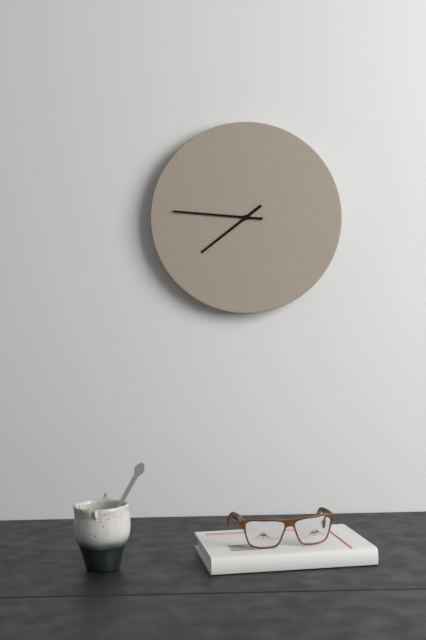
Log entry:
h=7 m=46
